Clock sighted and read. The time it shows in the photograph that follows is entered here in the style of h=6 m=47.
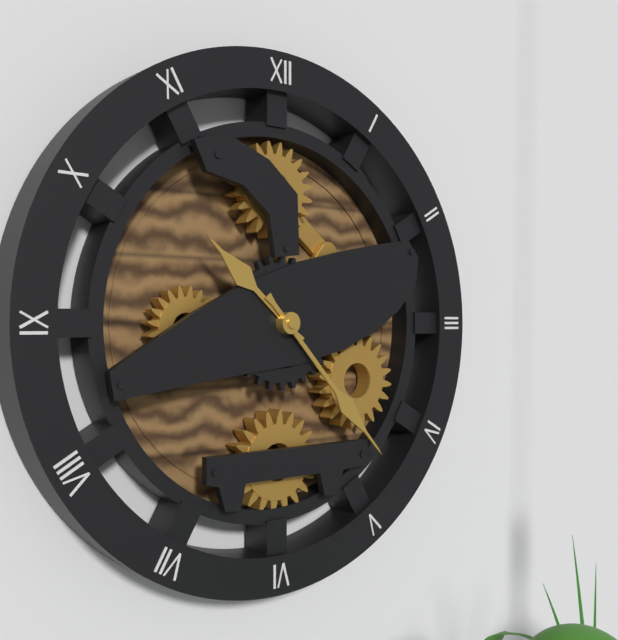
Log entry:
h=10 m=23
